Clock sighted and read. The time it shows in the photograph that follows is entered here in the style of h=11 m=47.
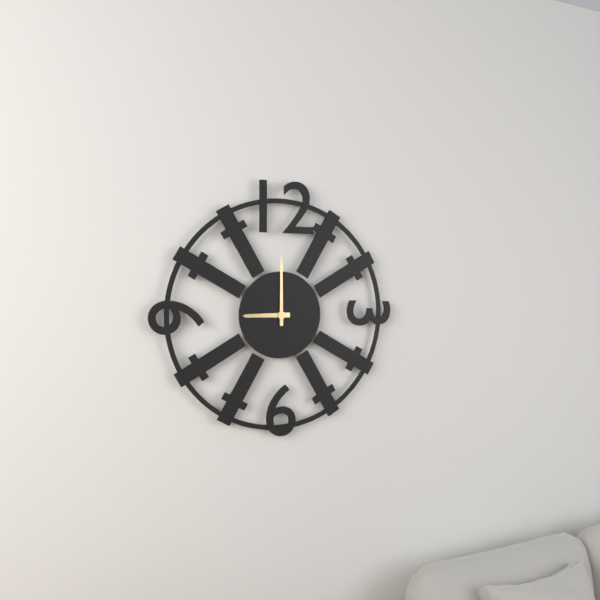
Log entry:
h=9 m=0
